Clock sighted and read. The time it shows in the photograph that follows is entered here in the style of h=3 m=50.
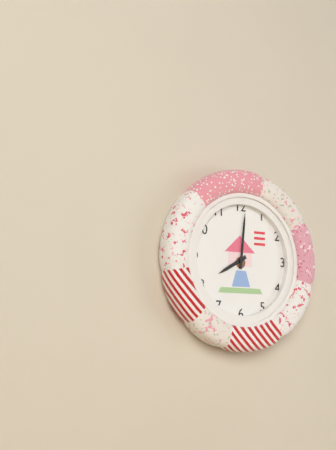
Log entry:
h=8 m=1
